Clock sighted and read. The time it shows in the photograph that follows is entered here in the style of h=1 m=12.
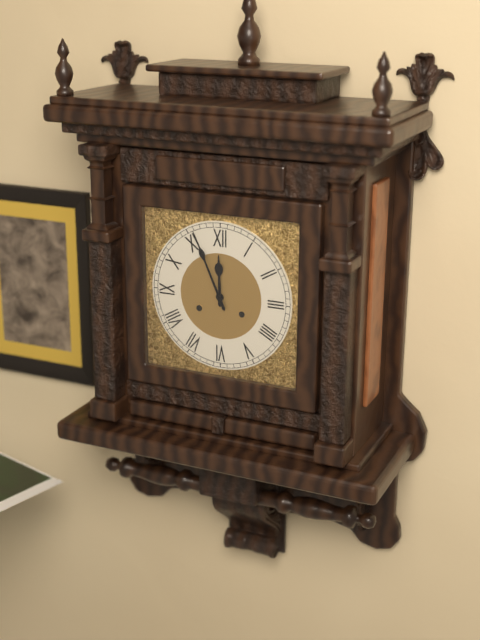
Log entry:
h=11 m=56
